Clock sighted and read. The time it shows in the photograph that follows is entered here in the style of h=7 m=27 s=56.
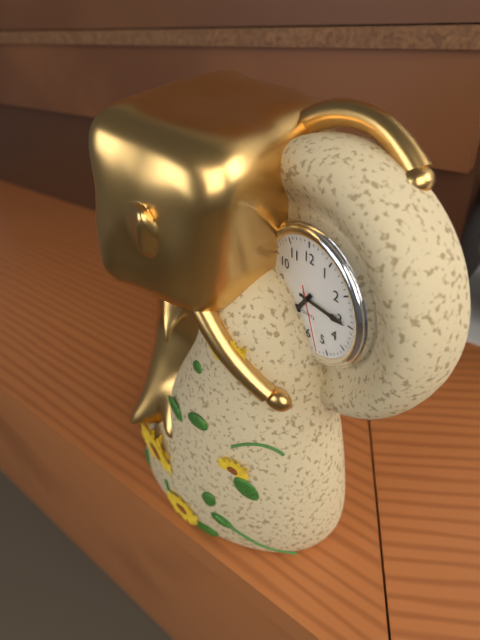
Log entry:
h=7 m=15 s=27
